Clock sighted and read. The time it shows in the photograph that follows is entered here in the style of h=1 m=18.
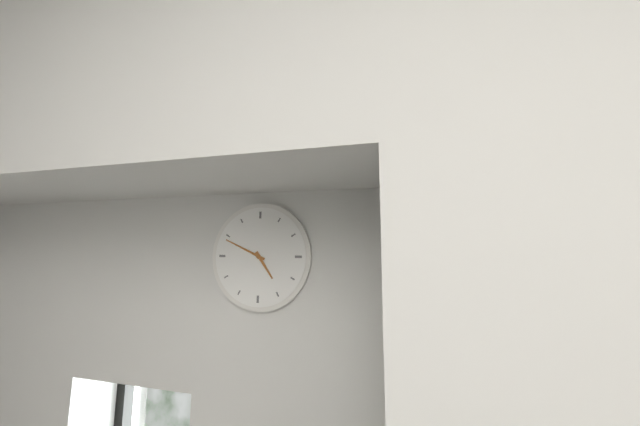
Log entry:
h=4 m=49
